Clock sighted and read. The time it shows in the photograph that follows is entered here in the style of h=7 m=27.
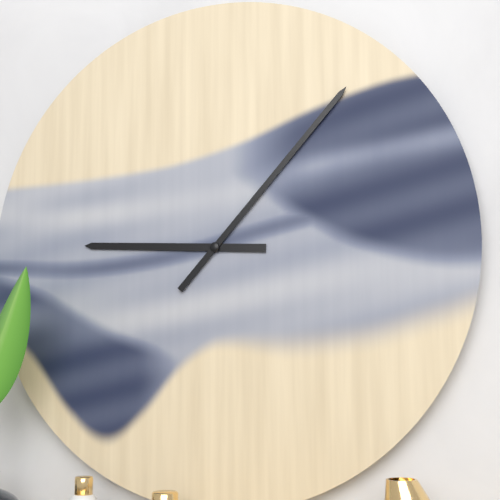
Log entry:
h=9 m=7
